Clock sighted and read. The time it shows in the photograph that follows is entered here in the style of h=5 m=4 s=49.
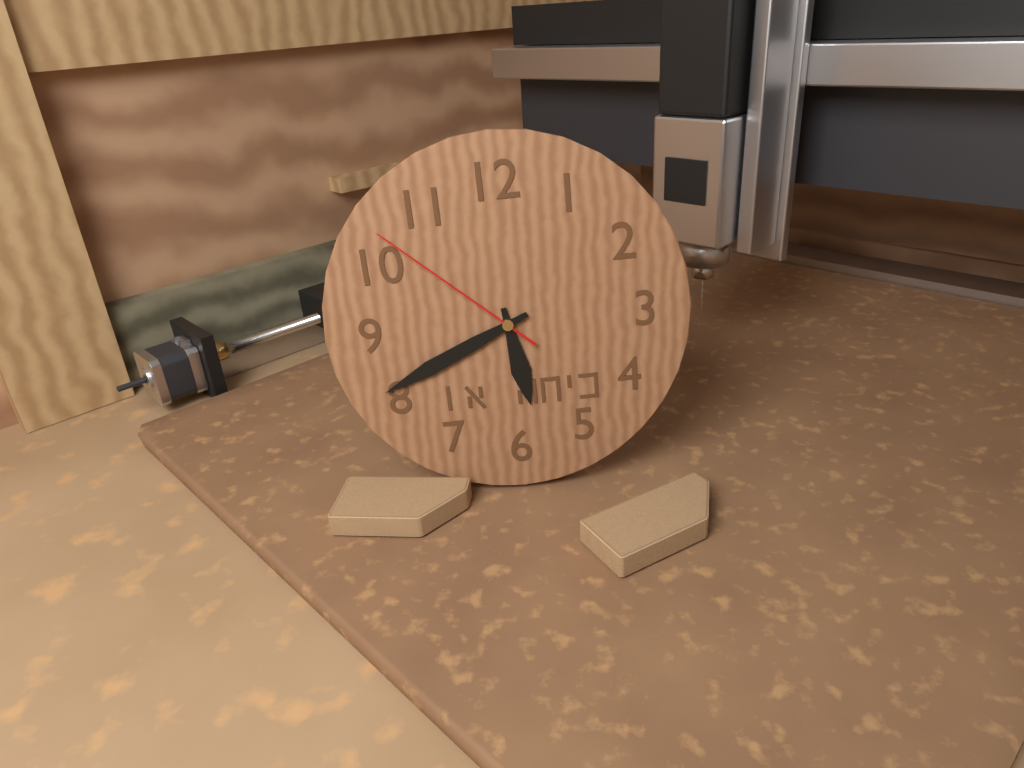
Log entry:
h=5 m=41 s=52
